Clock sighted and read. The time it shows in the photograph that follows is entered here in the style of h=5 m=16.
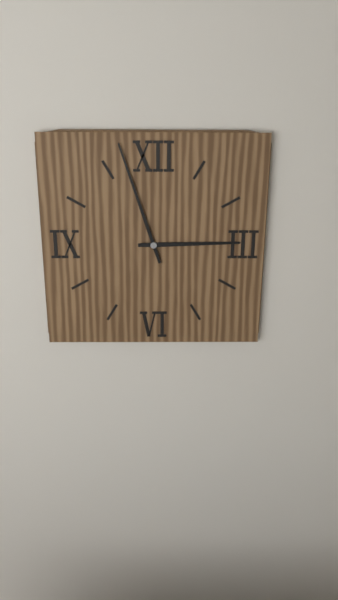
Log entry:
h=2 m=57
